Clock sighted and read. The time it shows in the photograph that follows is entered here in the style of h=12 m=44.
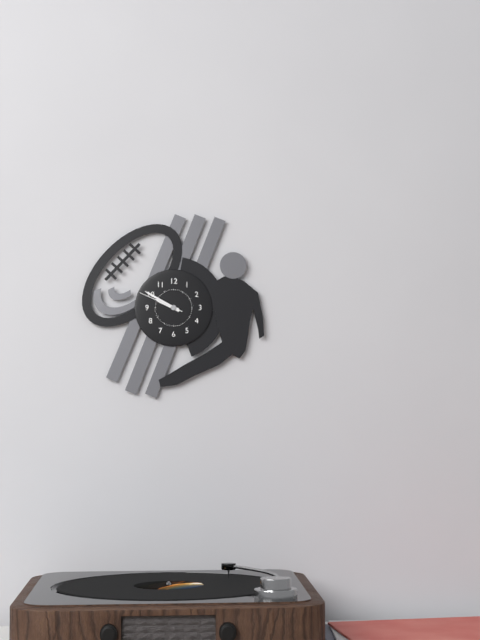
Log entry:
h=9 m=50
